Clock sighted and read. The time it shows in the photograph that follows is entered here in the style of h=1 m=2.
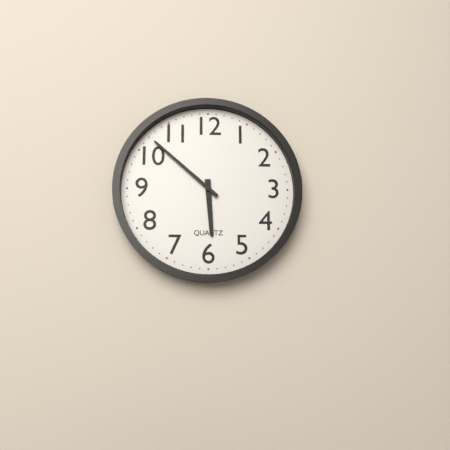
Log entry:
h=5 m=52
